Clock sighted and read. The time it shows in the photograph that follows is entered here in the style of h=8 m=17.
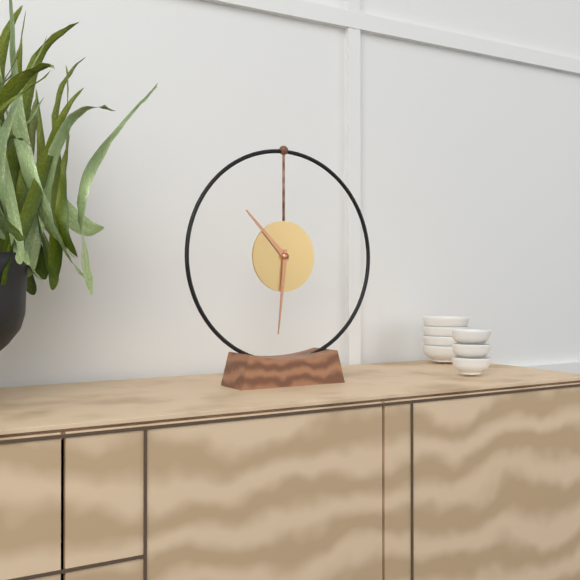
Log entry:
h=10 m=31
